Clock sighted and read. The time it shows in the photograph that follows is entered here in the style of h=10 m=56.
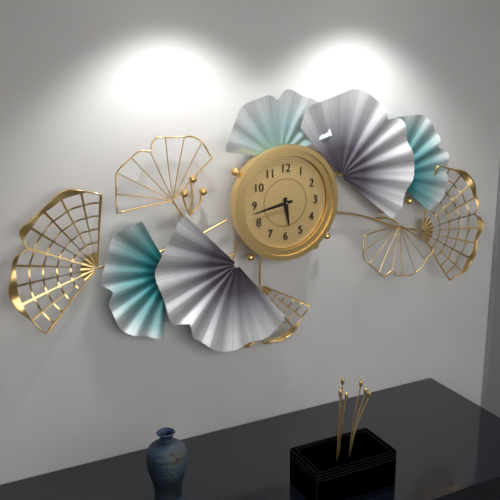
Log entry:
h=5 m=43
